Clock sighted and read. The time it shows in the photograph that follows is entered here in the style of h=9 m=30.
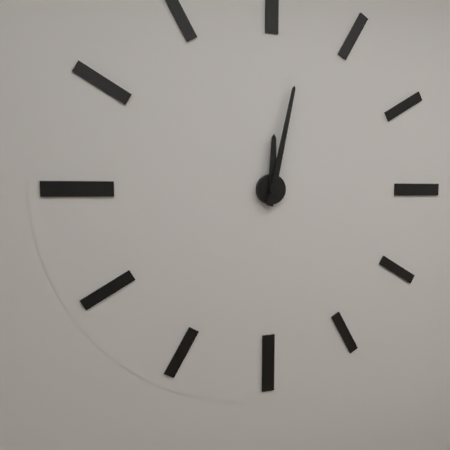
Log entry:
h=12 m=2
